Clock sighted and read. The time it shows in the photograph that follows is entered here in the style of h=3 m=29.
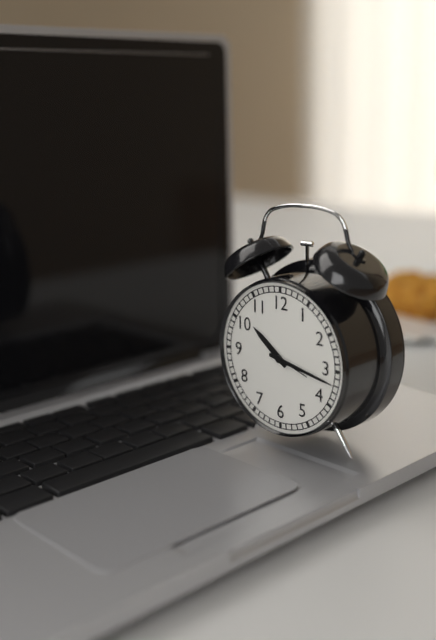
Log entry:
h=10 m=17
